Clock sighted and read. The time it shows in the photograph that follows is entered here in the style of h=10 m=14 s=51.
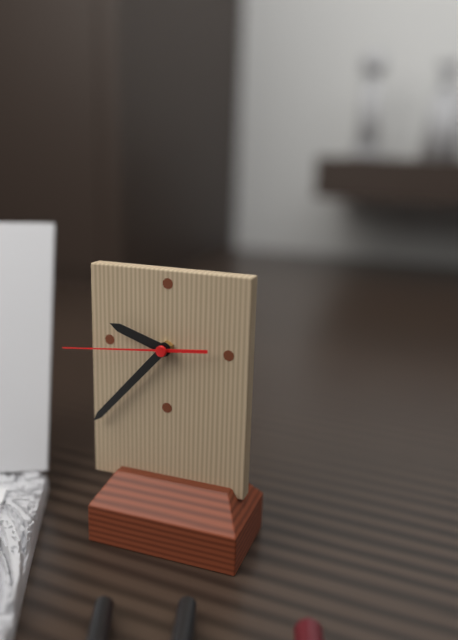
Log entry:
h=9 m=37 s=44
